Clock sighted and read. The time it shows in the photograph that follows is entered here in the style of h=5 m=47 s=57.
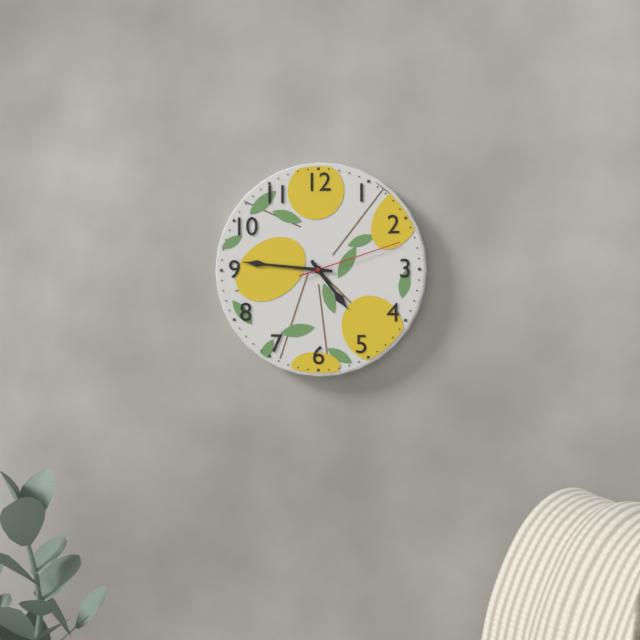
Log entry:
h=4 m=46 s=12
